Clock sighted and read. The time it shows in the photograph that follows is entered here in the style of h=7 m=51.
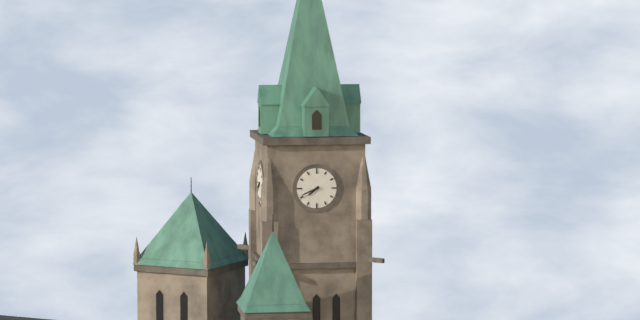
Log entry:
h=7 m=41
